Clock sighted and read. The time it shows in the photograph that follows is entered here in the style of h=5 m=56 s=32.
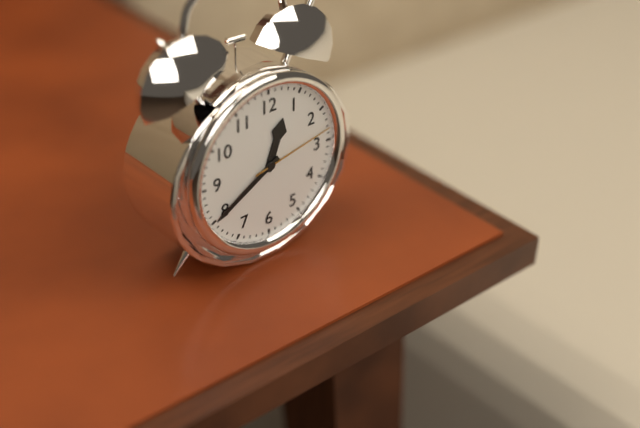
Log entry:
h=12 m=40 s=13
